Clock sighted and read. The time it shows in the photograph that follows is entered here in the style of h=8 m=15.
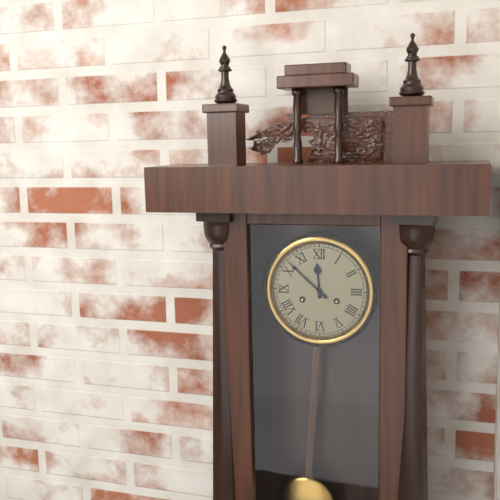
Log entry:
h=11 m=52
